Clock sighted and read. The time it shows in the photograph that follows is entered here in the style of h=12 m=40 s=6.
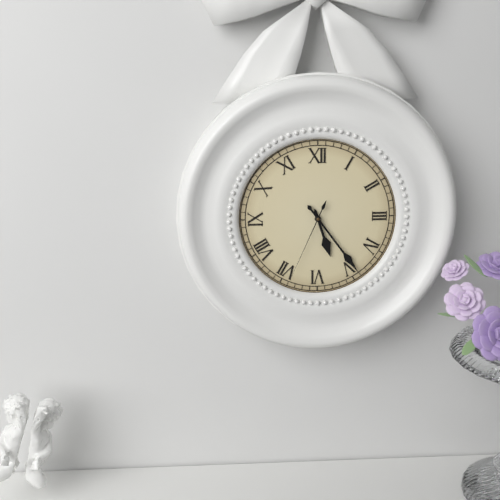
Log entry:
h=5 m=24 s=34
